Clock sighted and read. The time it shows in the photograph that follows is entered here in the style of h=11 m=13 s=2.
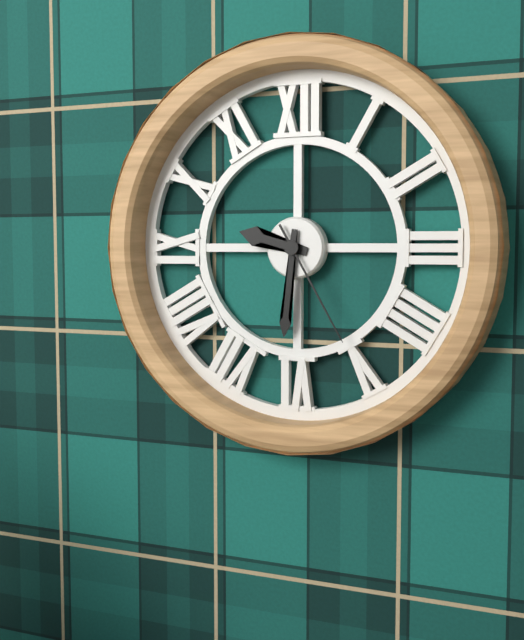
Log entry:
h=9 m=31 s=25
